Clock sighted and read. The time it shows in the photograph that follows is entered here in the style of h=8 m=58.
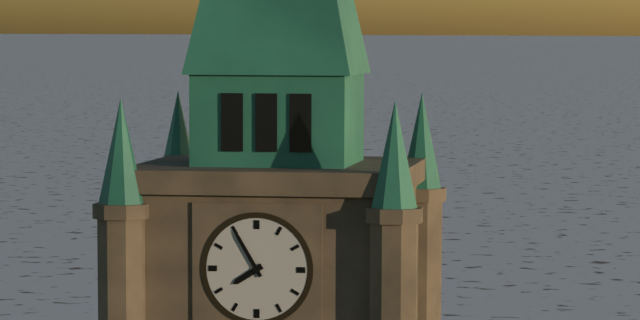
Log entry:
h=7 m=55
